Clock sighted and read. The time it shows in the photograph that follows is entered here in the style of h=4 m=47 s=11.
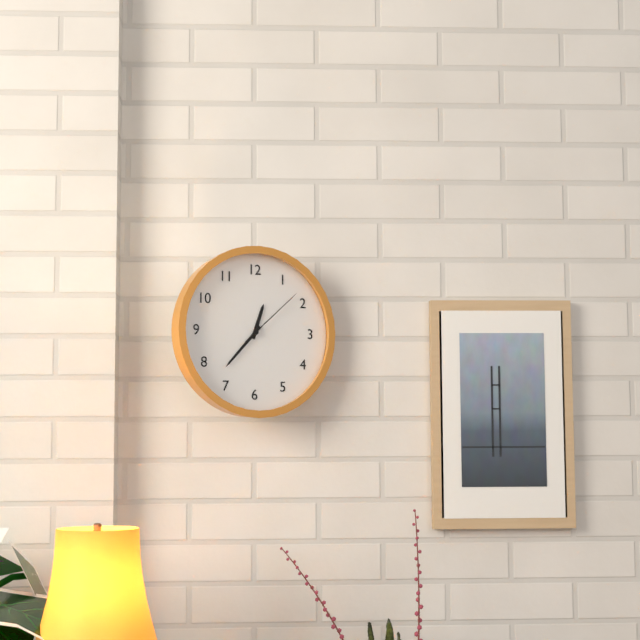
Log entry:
h=12 m=37 s=8
